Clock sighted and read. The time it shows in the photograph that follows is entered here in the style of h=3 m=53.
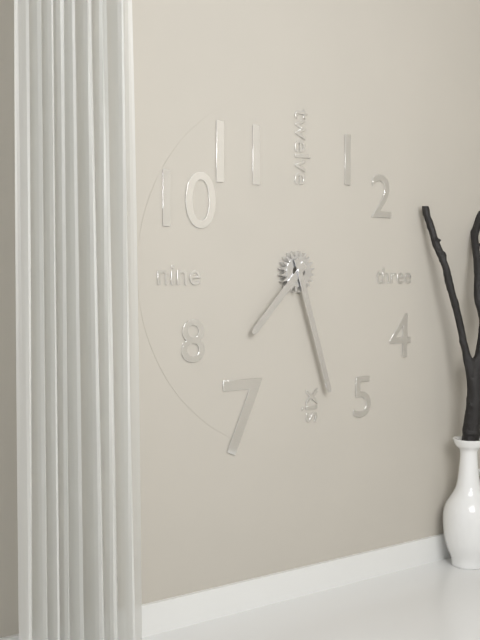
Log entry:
h=7 m=27
